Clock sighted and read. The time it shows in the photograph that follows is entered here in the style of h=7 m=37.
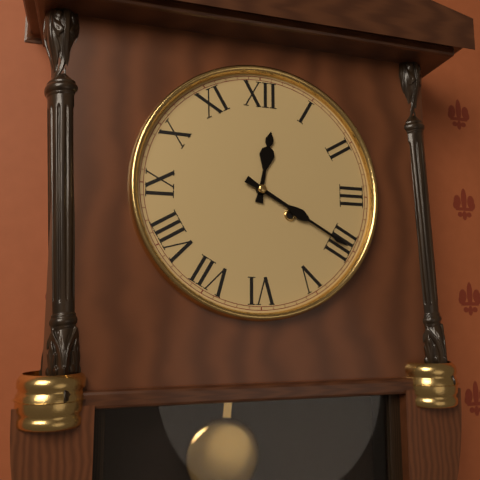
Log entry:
h=12 m=20
